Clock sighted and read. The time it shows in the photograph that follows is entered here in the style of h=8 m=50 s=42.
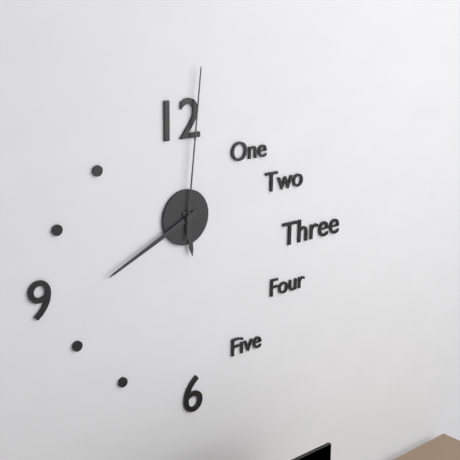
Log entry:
h=5 m=41 s=1
